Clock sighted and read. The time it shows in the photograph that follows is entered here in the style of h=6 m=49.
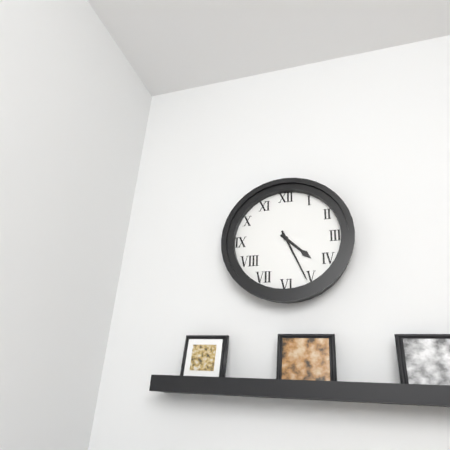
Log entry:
h=4 m=26
